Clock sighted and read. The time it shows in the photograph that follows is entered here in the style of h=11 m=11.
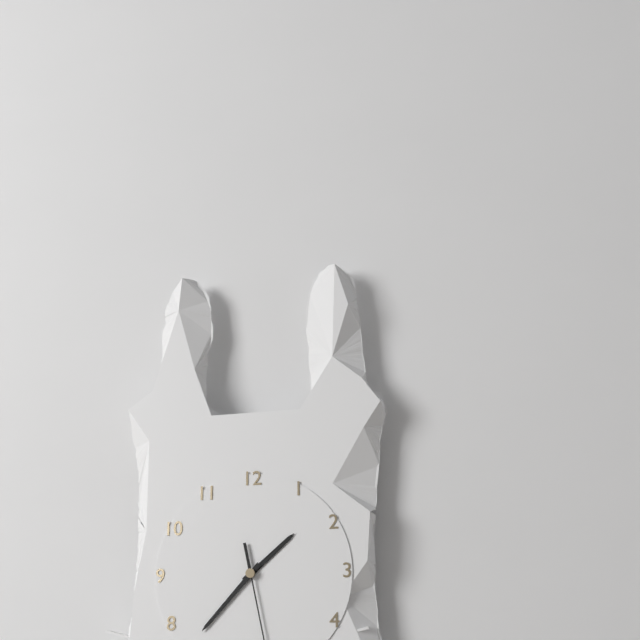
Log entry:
h=1 m=37
